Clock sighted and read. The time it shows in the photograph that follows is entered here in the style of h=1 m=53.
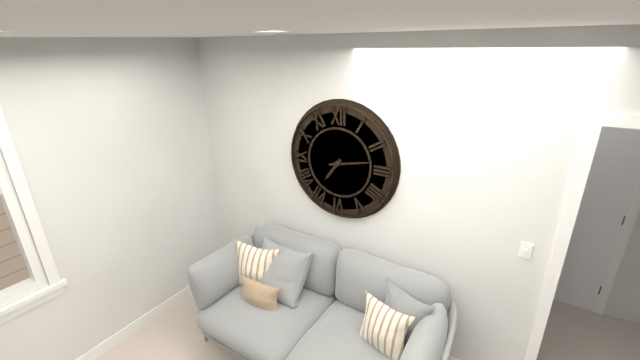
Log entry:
h=7 m=13
